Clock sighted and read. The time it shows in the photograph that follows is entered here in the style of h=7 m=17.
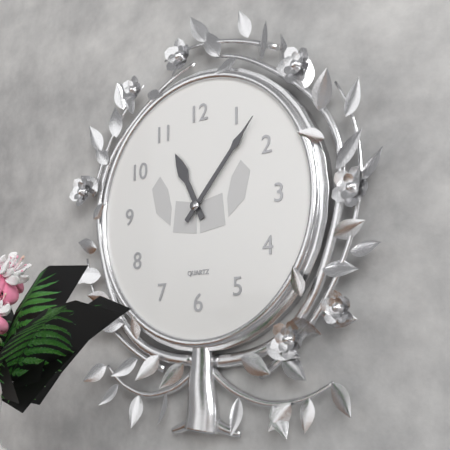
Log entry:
h=11 m=7
